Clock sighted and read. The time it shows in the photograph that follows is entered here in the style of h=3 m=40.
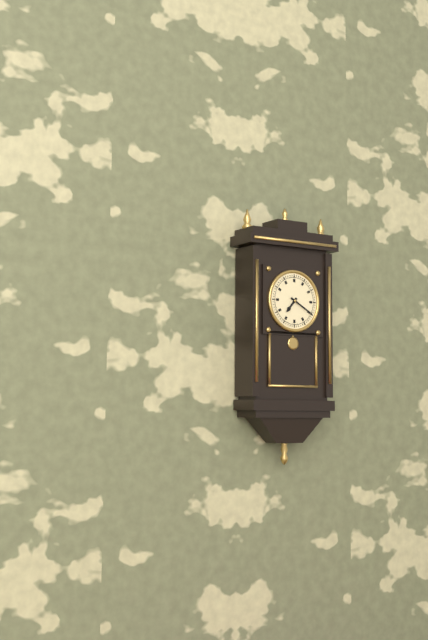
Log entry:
h=7 m=20
